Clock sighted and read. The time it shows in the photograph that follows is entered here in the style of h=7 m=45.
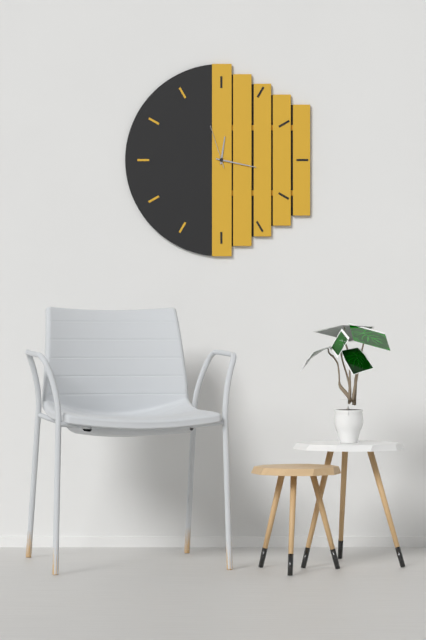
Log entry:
h=12 m=17
